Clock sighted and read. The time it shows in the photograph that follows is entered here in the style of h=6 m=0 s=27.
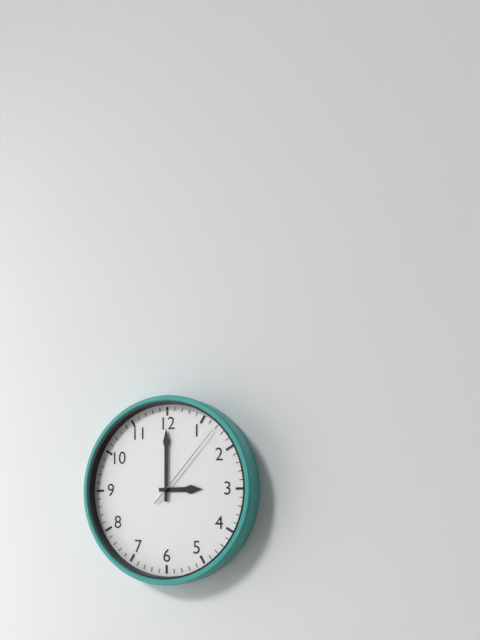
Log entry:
h=3 m=0 s=7
